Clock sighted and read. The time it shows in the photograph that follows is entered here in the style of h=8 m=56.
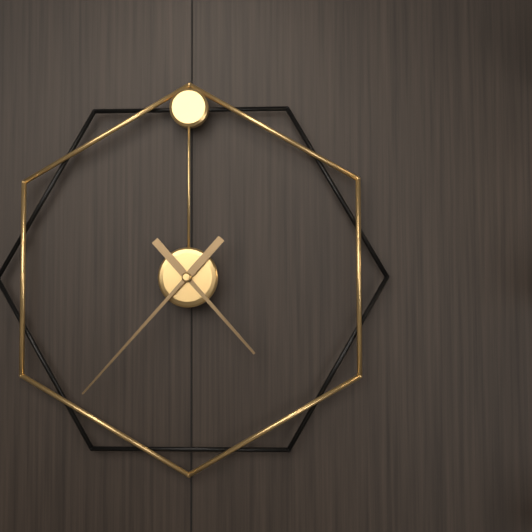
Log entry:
h=4 m=37
